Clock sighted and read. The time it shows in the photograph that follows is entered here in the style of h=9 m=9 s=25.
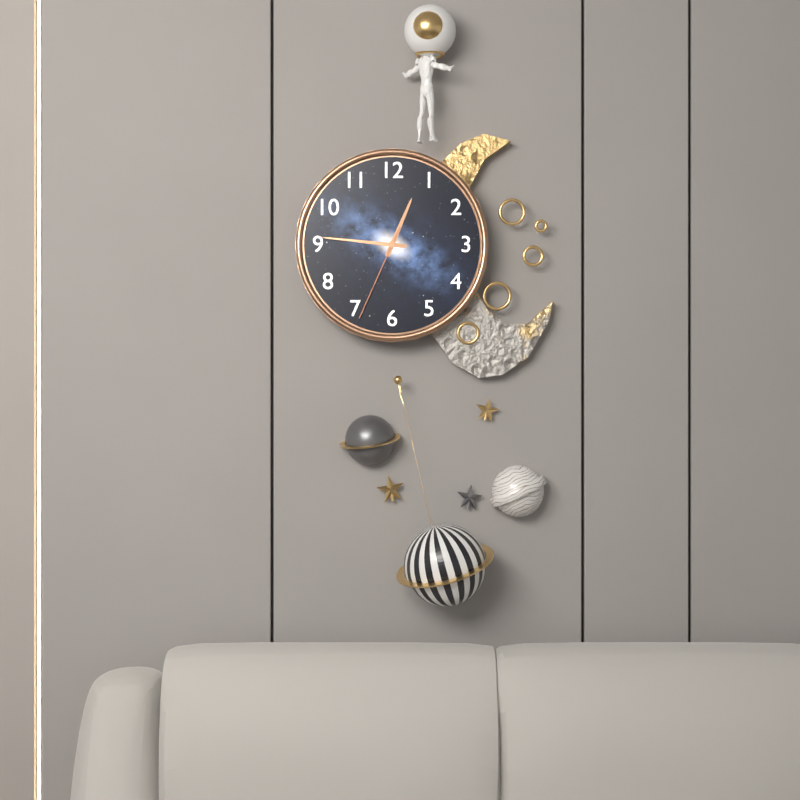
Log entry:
h=12 m=46 s=34
